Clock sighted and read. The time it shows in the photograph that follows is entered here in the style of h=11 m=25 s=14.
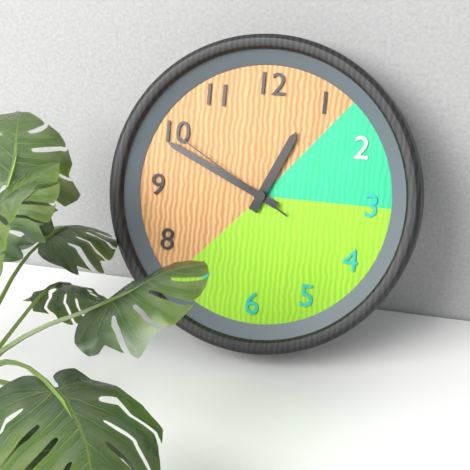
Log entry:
h=12 m=49 s=50
